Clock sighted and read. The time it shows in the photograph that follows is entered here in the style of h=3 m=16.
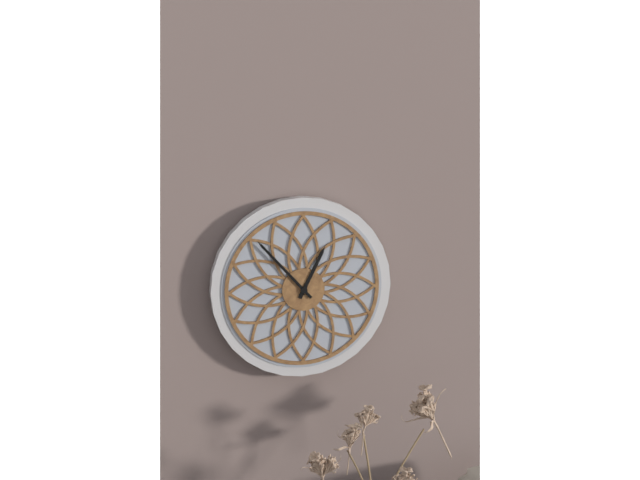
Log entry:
h=12 m=53
